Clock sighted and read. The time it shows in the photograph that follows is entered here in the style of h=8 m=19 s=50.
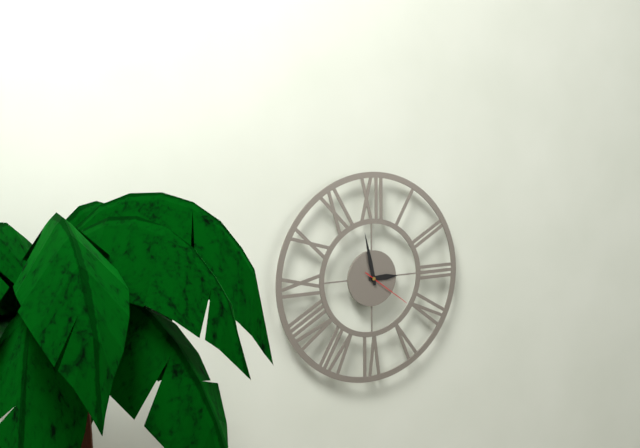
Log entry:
h=2 m=58 s=21
